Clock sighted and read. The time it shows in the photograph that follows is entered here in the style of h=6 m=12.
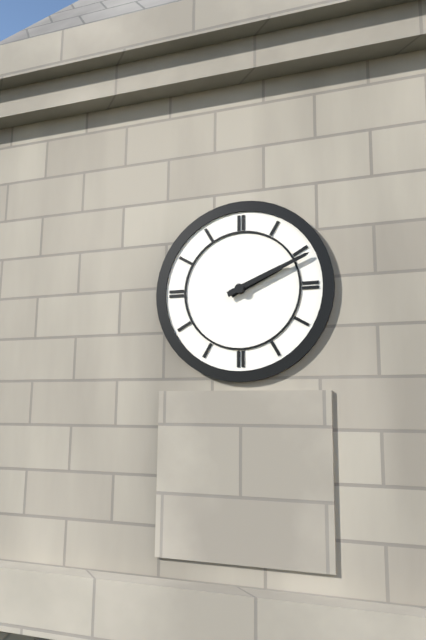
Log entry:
h=2 m=11
